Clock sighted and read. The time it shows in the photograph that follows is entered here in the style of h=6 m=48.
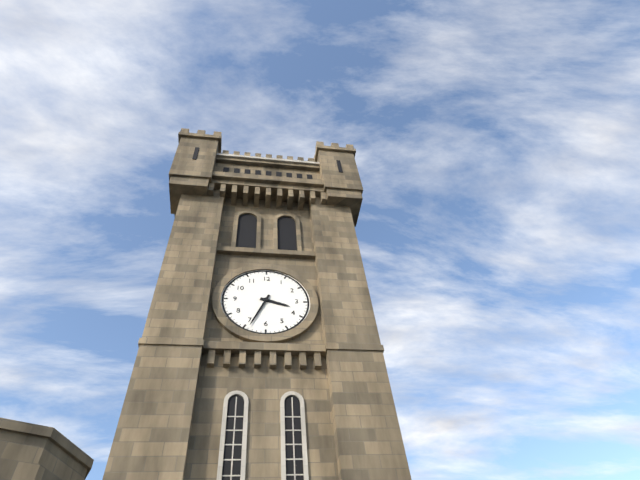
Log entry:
h=3 m=34
